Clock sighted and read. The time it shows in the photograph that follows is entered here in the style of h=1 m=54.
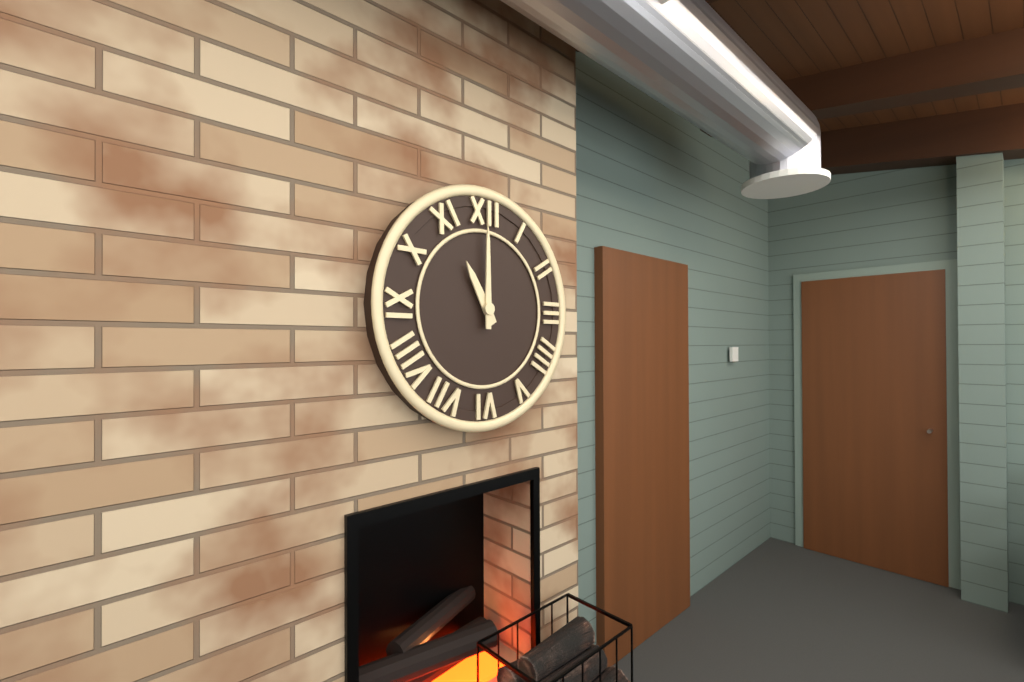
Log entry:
h=11 m=0
